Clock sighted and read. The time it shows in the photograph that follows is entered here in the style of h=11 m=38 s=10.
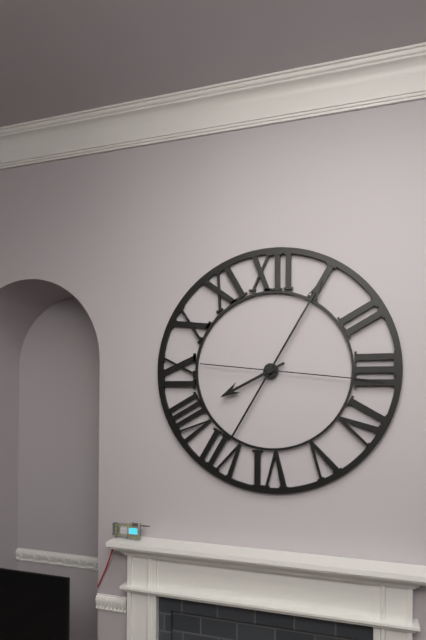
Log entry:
h=8 m=5 s=16
